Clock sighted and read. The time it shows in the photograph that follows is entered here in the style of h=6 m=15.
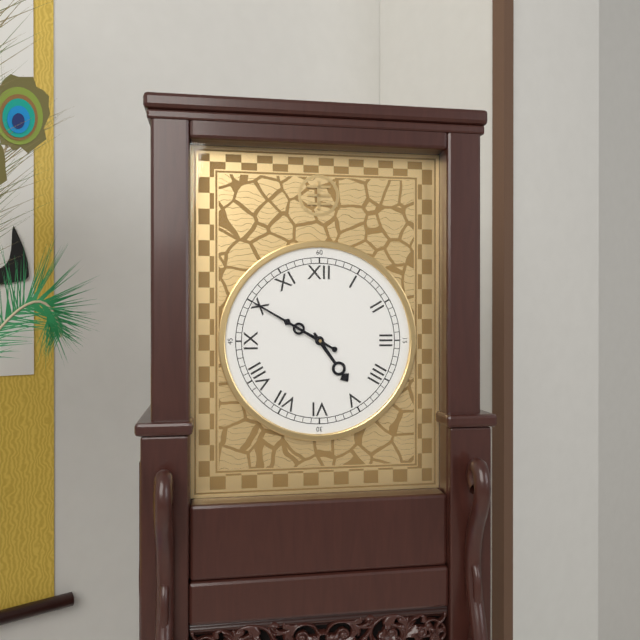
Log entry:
h=4 m=50
